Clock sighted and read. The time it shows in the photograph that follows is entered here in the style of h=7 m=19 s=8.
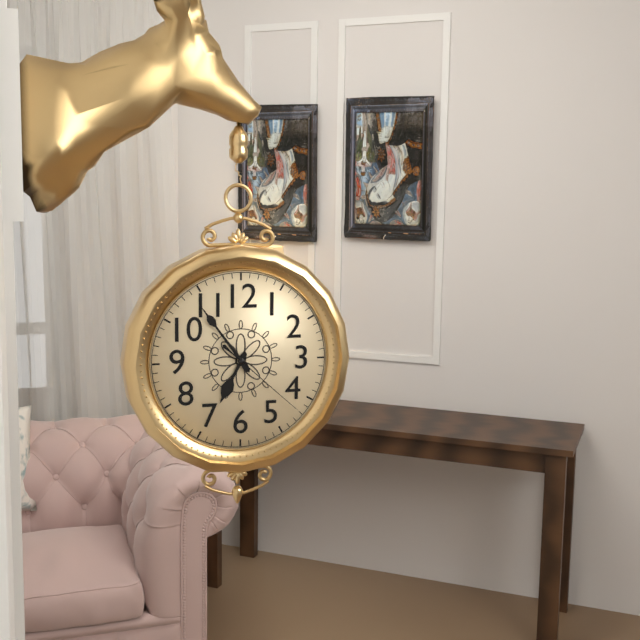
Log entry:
h=6 m=54 s=22
